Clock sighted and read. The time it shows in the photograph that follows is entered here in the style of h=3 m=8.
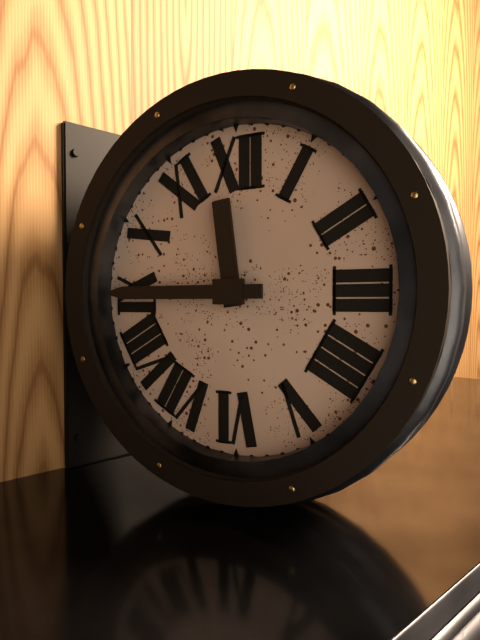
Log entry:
h=11 m=45
